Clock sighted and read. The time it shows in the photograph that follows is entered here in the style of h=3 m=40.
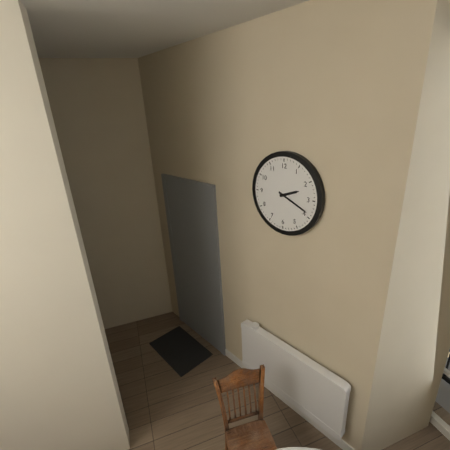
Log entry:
h=2 m=19
